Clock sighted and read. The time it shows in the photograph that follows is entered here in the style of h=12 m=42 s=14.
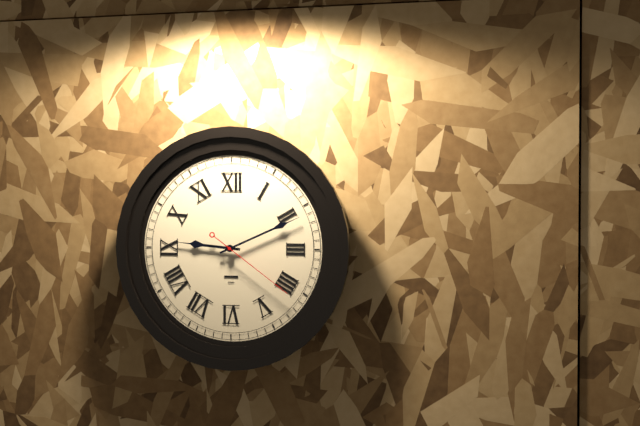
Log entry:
h=9 m=11 s=21
